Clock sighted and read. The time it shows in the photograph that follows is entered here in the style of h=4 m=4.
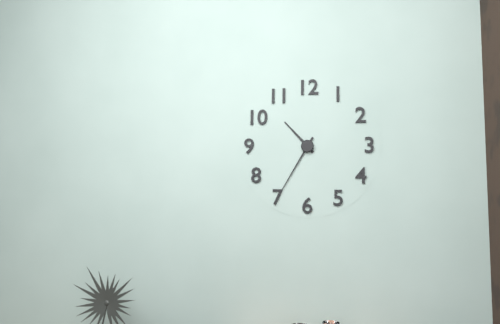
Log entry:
h=10 m=35
